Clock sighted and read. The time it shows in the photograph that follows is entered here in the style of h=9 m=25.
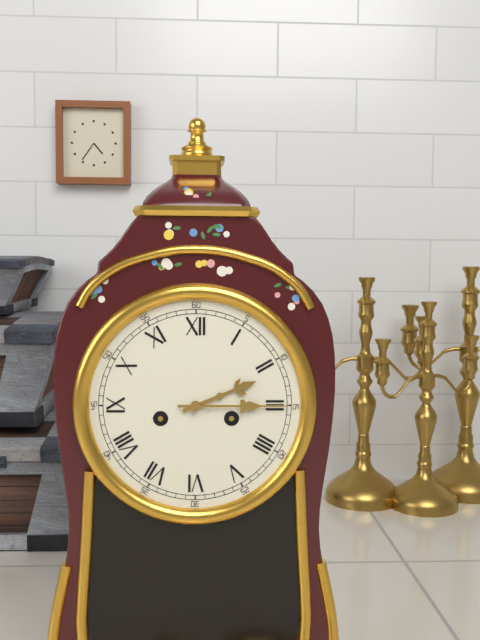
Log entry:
h=2 m=15
